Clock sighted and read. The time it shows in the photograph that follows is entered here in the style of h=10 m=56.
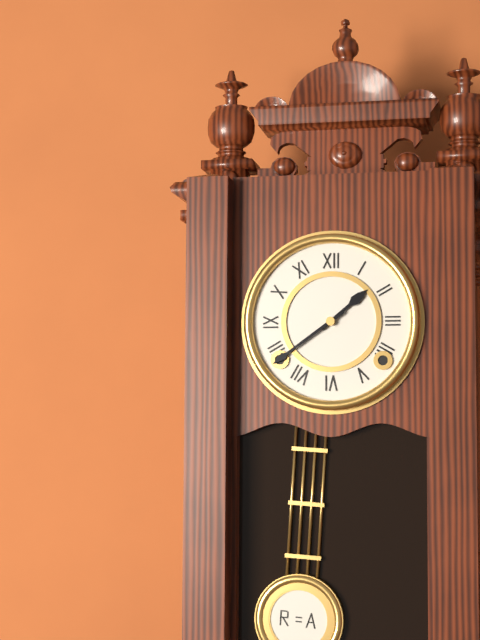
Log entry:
h=1 m=39
